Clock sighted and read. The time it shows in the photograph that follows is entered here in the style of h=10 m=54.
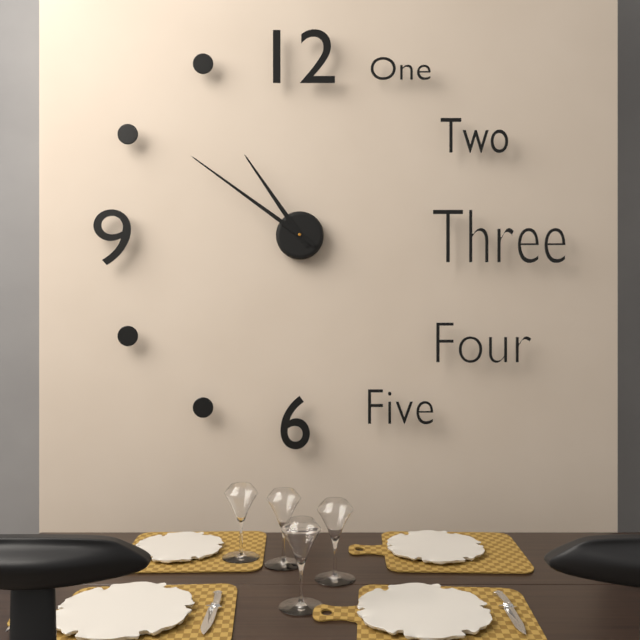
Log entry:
h=10 m=51
